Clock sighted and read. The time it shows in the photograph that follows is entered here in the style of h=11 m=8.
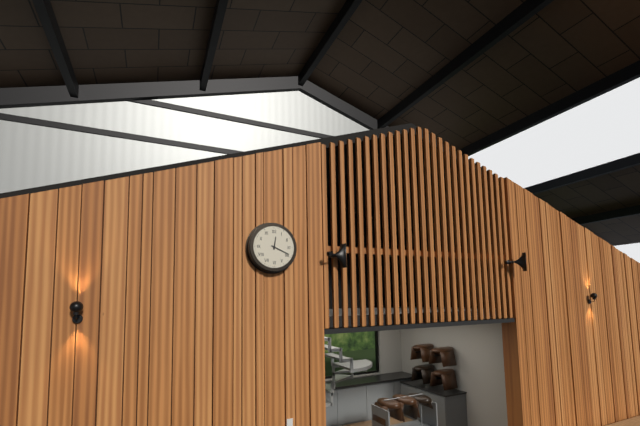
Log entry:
h=12 m=19
